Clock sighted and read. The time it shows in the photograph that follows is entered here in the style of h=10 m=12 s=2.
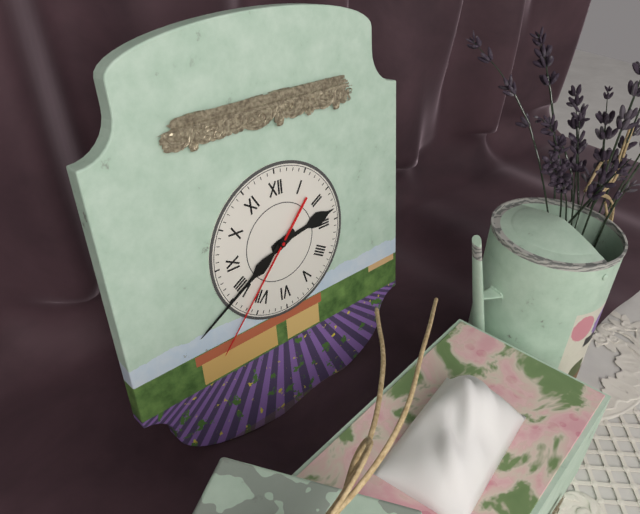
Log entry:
h=2 m=40 s=37
